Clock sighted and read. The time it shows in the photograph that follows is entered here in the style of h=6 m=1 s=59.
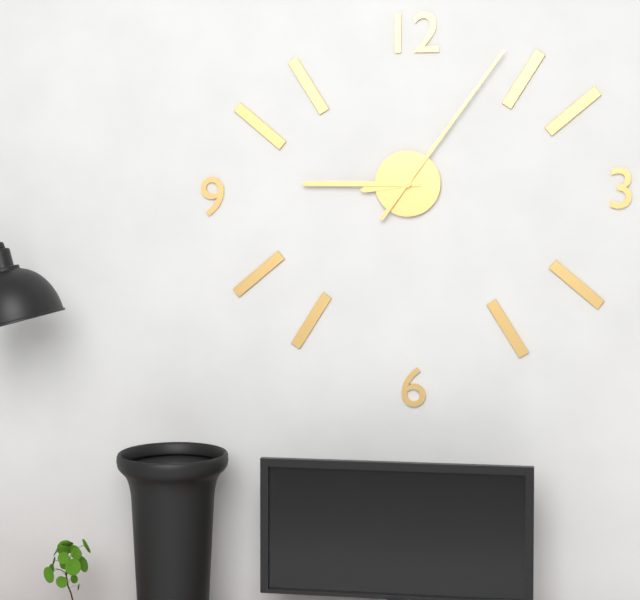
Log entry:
h=8 m=45 s=6
